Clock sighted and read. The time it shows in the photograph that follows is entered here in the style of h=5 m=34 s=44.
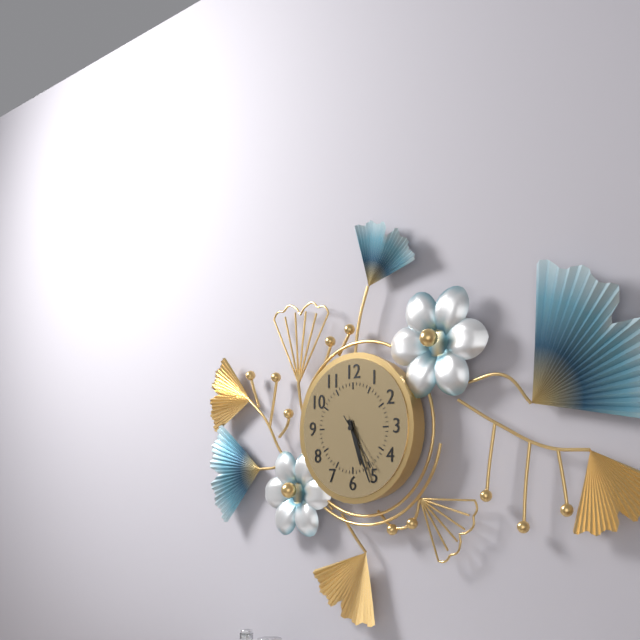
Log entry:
h=5 m=26 s=24
